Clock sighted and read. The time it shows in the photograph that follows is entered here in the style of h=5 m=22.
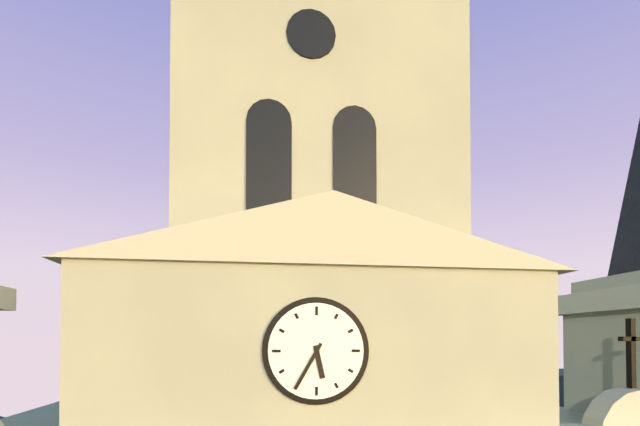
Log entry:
h=5 m=35
